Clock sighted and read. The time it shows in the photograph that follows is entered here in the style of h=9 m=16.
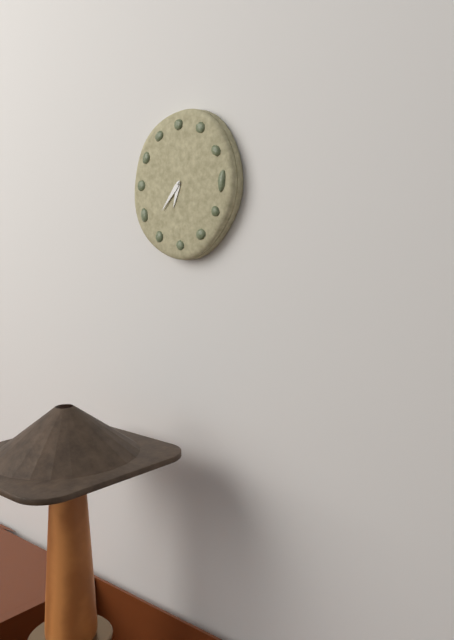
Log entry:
h=6 m=37
